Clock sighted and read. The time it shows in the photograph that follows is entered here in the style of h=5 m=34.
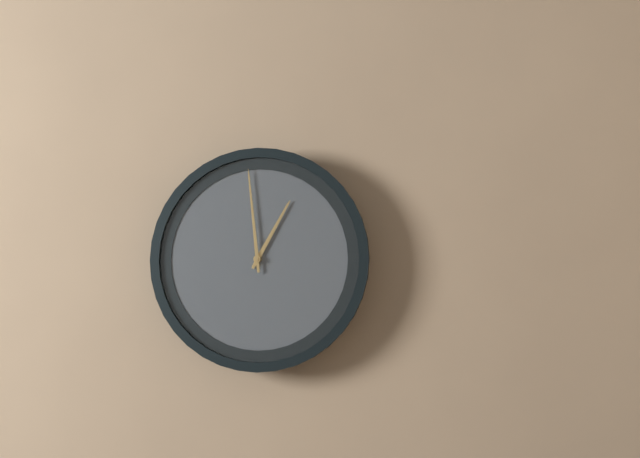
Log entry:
h=12 m=59
